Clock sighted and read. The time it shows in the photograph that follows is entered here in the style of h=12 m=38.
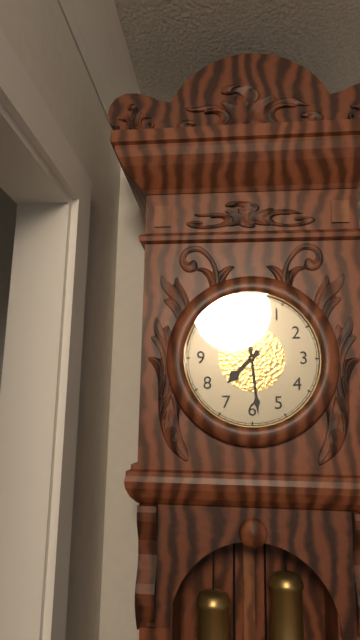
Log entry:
h=7 m=29
